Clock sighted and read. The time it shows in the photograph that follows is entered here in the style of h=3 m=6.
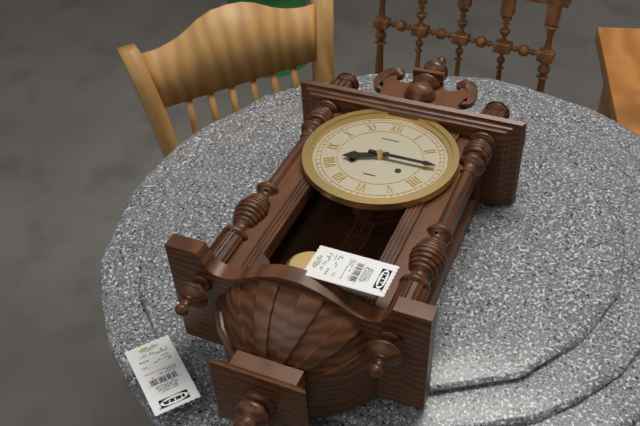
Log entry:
h=8 m=15
